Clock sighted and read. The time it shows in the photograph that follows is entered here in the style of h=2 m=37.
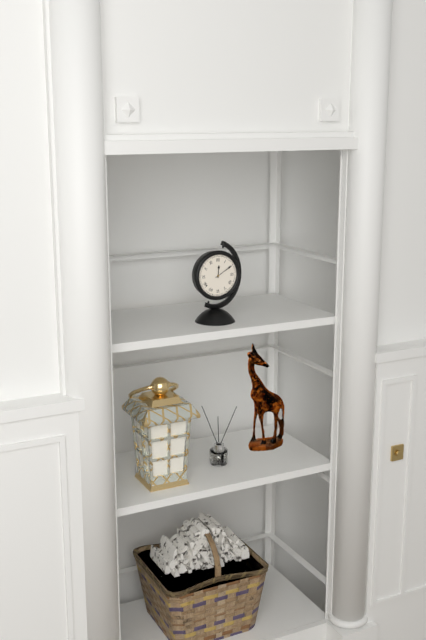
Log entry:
h=12 m=10
